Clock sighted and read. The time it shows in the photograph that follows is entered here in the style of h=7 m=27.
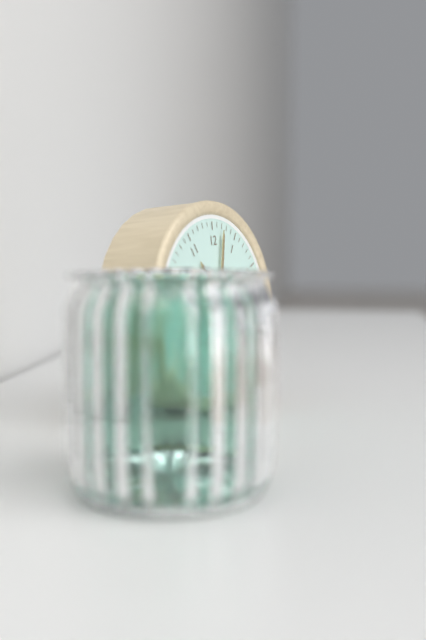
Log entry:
h=11 m=2
